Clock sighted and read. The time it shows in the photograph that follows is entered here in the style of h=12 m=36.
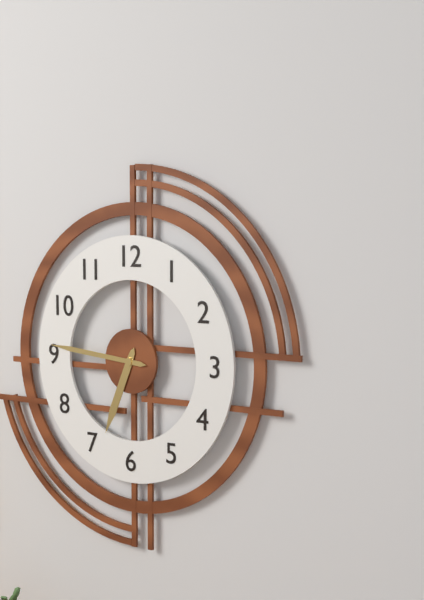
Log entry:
h=6 m=46
